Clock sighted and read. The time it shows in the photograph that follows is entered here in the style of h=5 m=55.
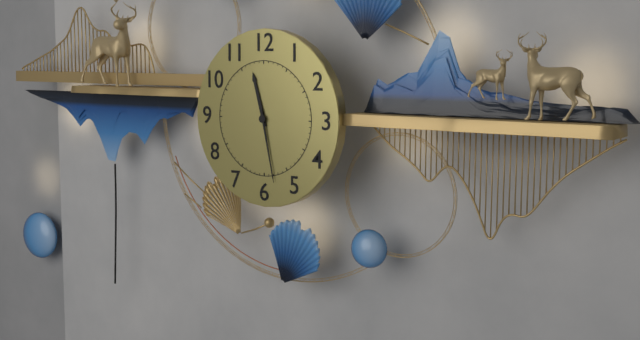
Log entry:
h=11 m=28
